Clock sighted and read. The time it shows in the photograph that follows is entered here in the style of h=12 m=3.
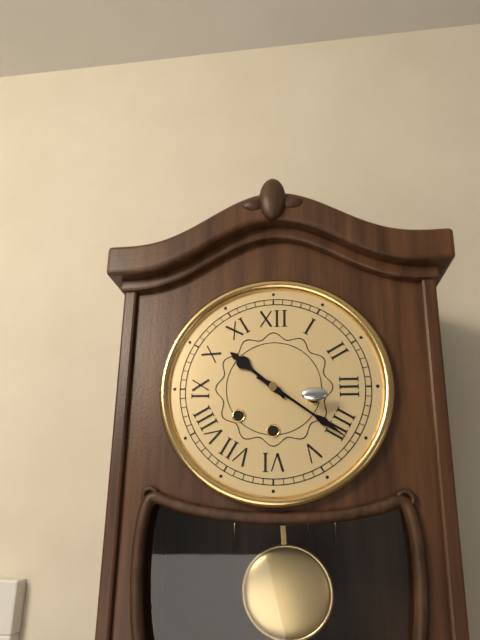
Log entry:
h=10 m=21
